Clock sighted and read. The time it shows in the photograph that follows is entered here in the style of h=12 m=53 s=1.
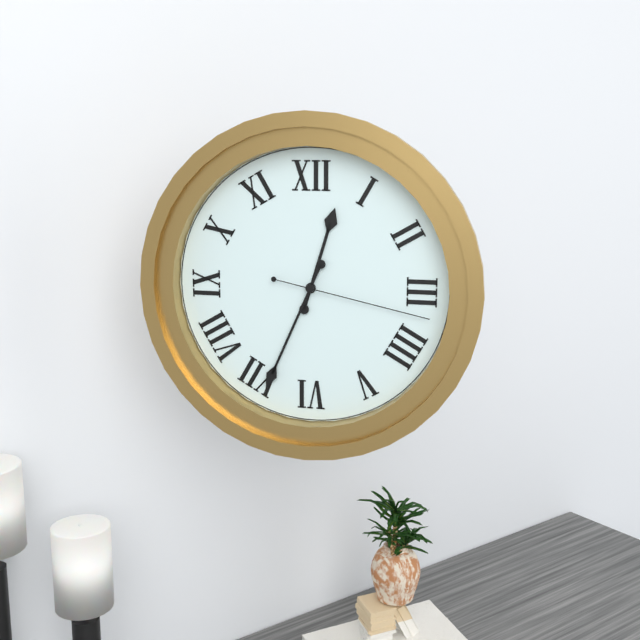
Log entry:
h=12 m=34 s=17
